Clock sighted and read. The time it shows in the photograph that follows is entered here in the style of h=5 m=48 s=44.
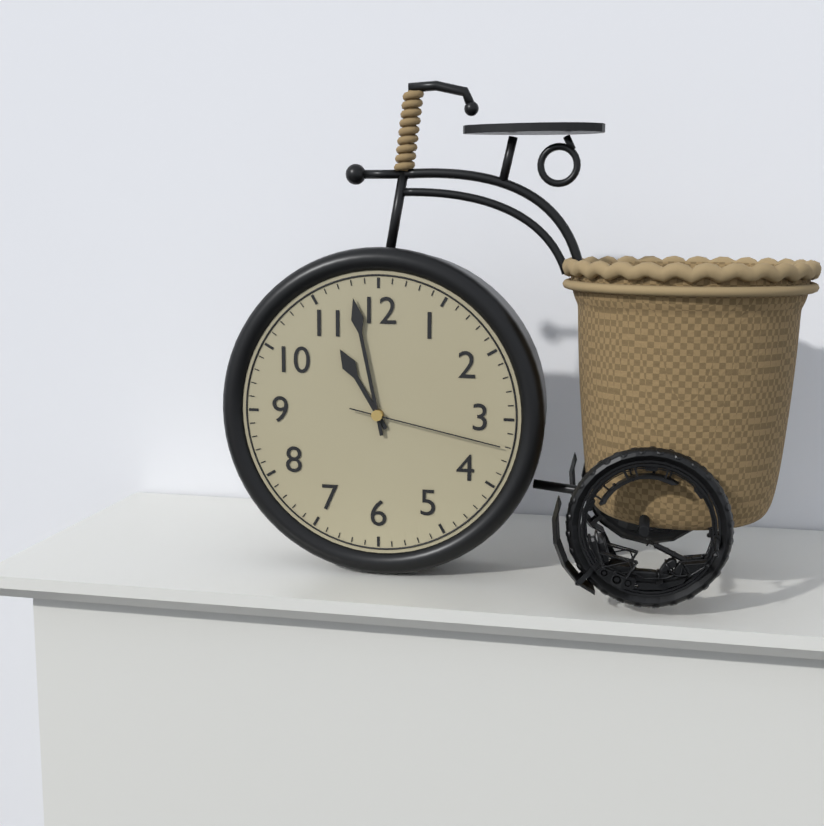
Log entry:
h=10 m=58 s=17
